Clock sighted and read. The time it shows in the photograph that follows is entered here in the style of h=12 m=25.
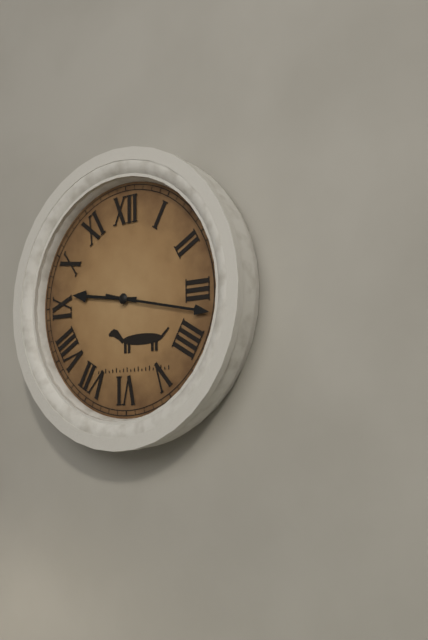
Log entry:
h=9 m=17
